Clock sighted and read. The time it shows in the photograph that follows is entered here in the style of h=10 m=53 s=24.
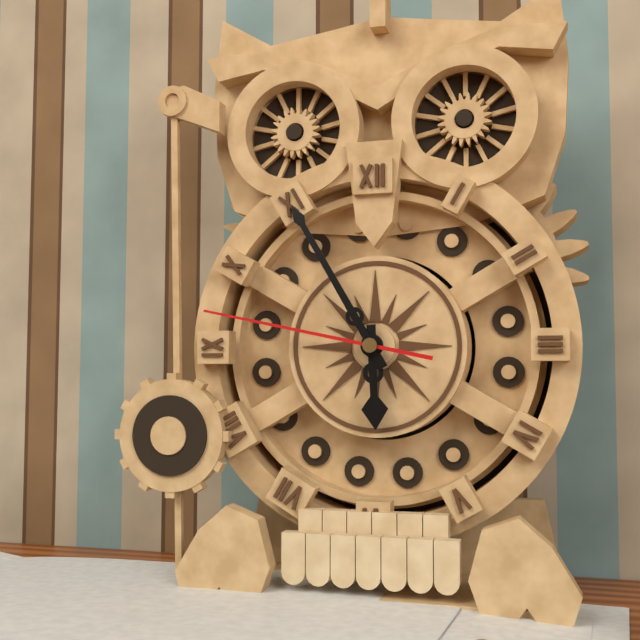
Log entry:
h=5 m=55 s=47
